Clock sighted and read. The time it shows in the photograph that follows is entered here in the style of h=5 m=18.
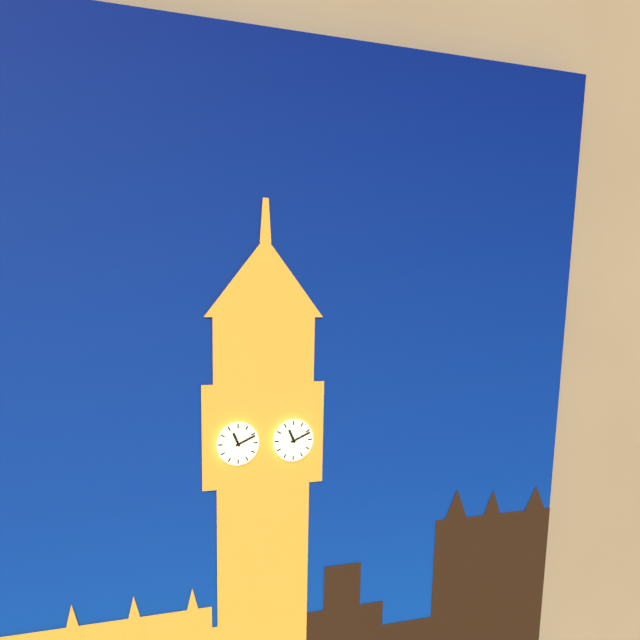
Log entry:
h=11 m=11
